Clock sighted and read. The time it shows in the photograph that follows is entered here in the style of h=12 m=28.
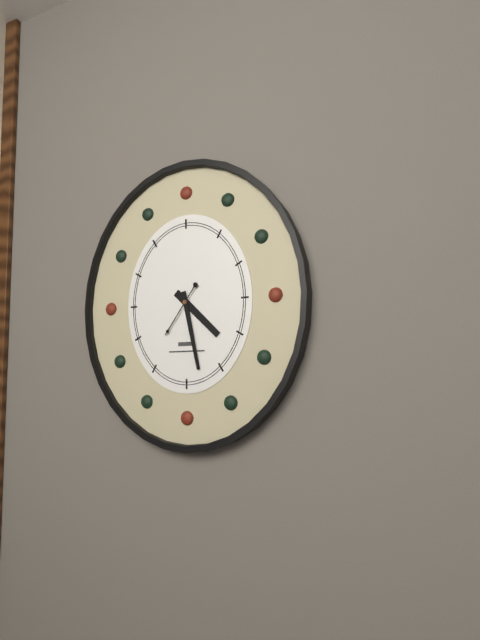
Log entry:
h=4 m=28
